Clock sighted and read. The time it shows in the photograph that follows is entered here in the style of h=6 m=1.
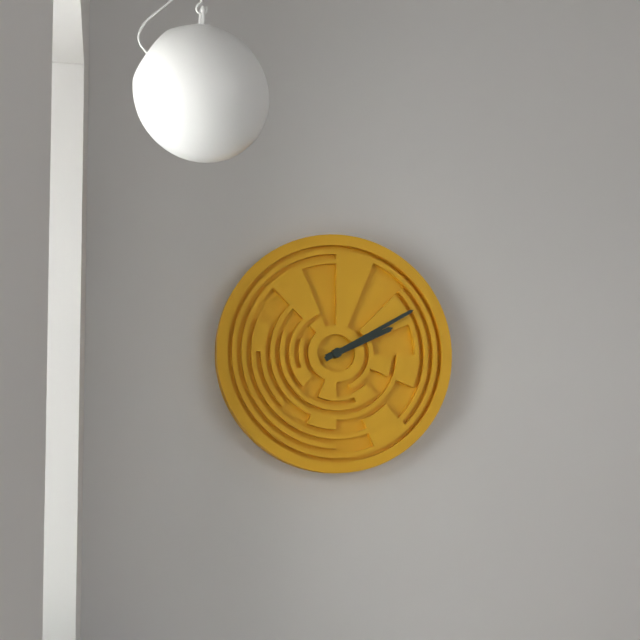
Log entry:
h=2 m=10
